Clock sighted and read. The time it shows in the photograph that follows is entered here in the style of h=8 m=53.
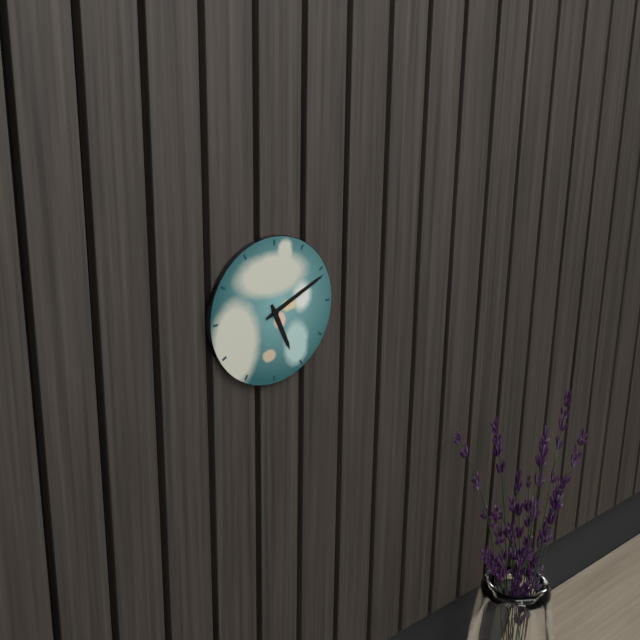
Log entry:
h=5 m=11
